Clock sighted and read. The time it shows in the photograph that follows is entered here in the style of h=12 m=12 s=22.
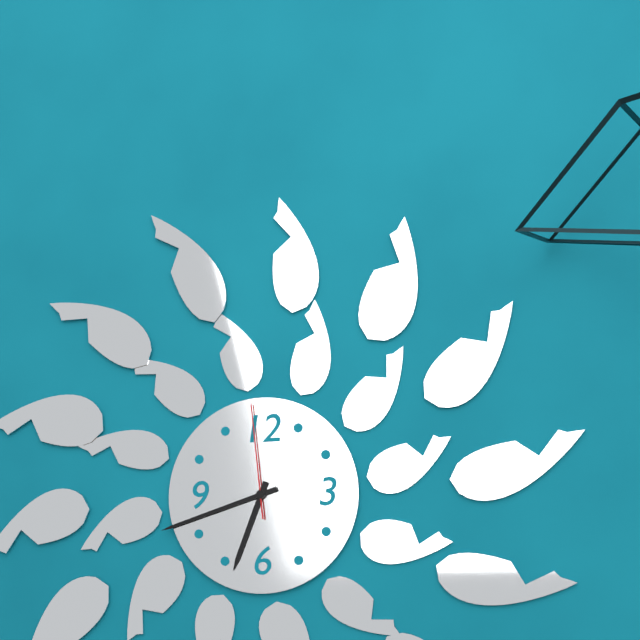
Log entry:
h=6 m=42 s=59
